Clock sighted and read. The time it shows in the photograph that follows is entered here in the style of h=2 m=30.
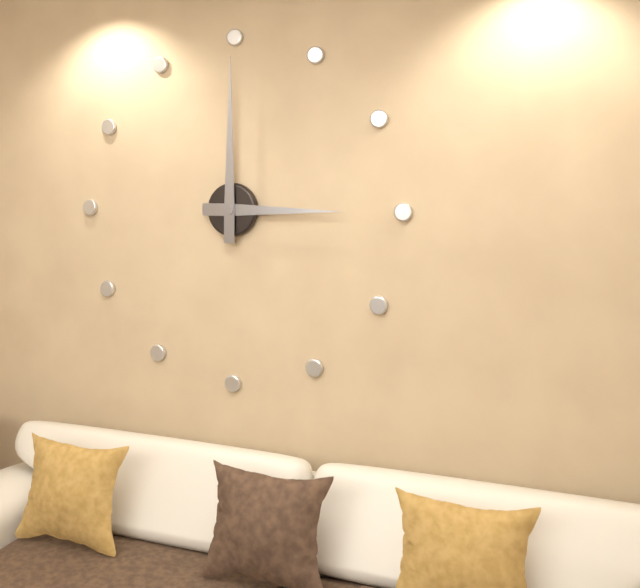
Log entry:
h=3 m=0
